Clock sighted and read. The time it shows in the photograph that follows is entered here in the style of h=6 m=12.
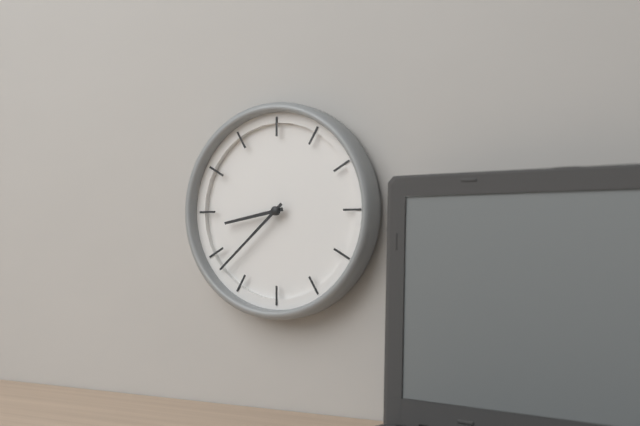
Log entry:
h=8 m=38
